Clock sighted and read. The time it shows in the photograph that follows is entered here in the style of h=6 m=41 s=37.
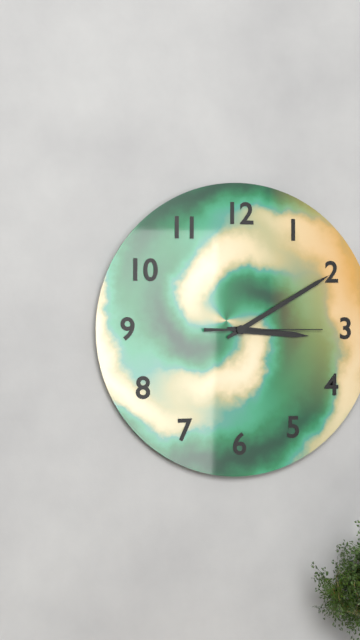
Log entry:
h=3 m=10 s=15
